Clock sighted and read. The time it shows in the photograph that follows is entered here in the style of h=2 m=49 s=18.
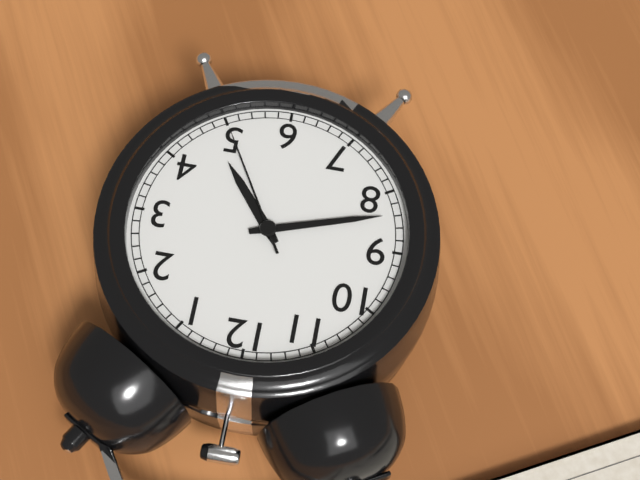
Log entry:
h=4 m=42 s=25
